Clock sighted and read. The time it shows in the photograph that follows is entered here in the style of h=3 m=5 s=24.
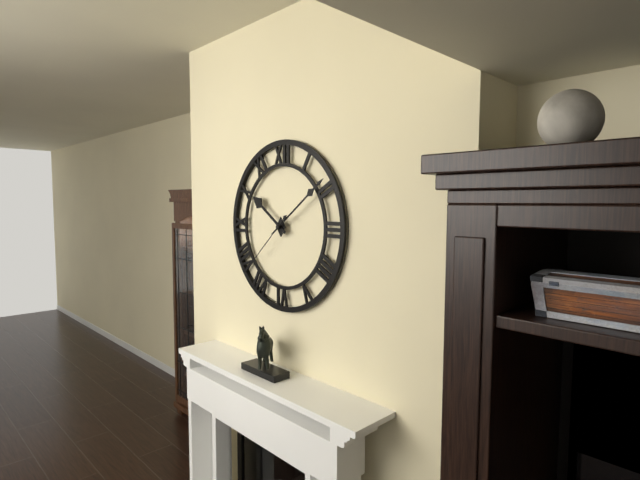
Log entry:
h=10 m=9 s=38
